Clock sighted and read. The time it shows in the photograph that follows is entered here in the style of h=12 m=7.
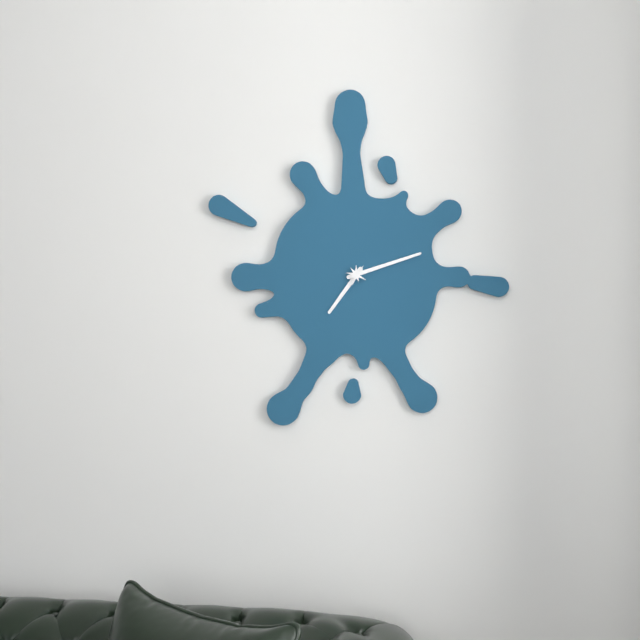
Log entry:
h=7 m=12
